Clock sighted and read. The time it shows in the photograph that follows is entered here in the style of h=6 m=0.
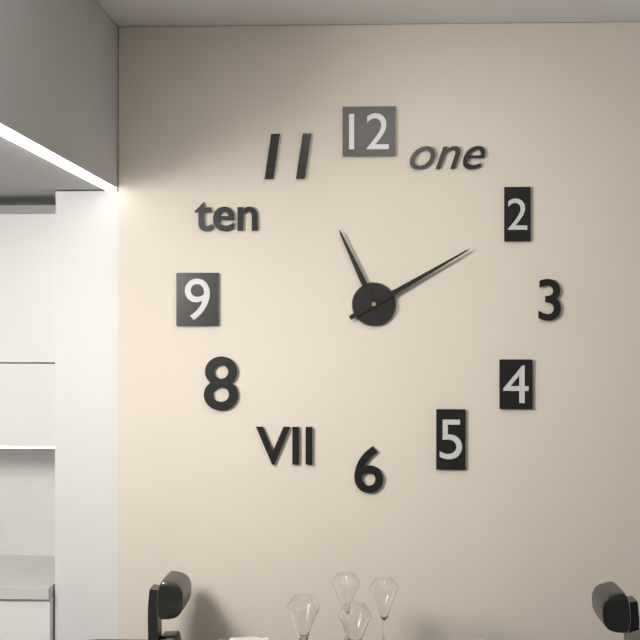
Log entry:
h=11 m=10
